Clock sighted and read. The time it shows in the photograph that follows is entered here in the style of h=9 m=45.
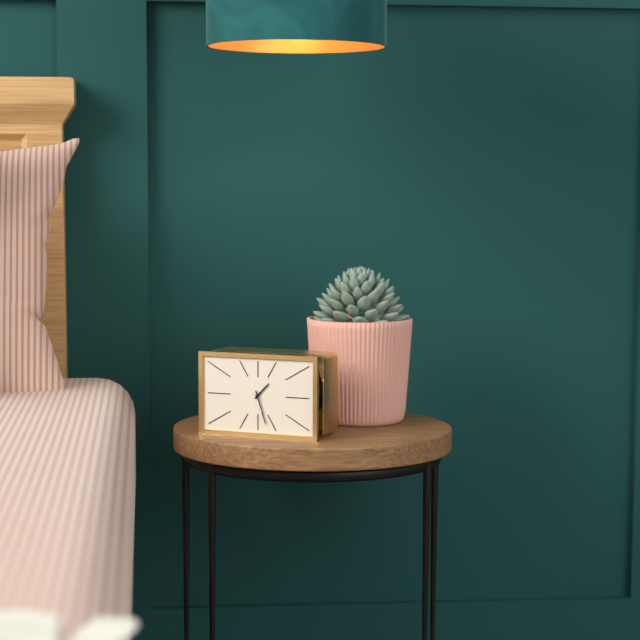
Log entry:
h=1 m=27
